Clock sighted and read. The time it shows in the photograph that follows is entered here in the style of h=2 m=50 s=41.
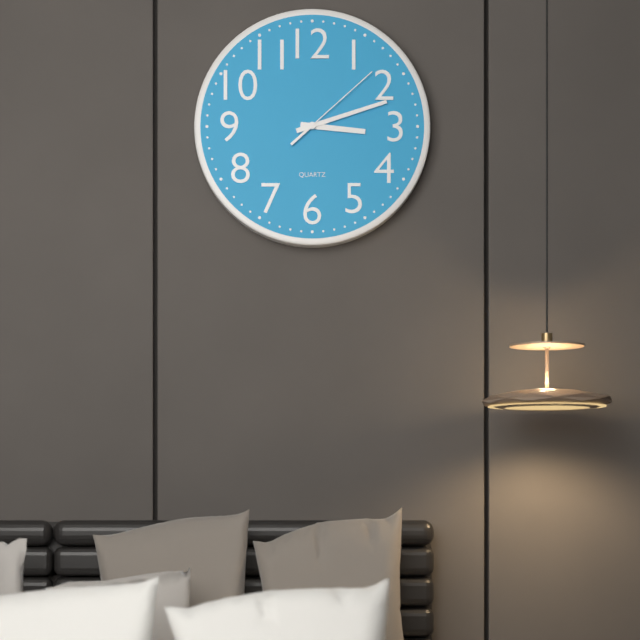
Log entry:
h=3 m=12 s=8
